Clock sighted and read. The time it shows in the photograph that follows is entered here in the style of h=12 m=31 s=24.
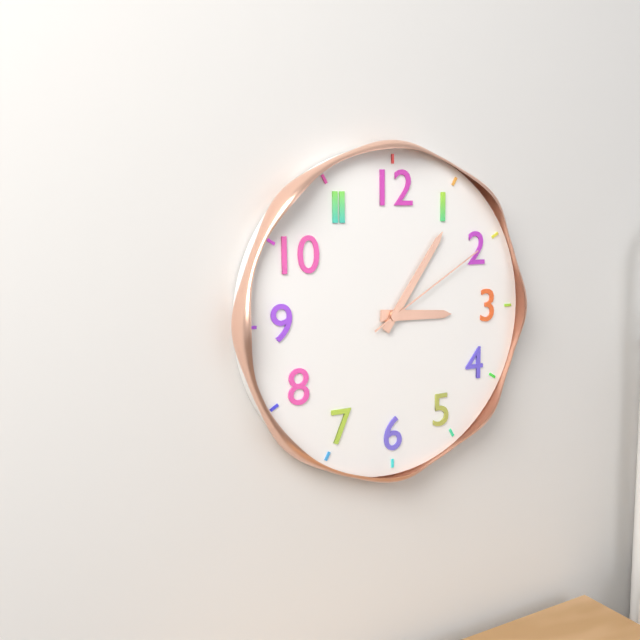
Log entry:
h=3 m=6 s=10
